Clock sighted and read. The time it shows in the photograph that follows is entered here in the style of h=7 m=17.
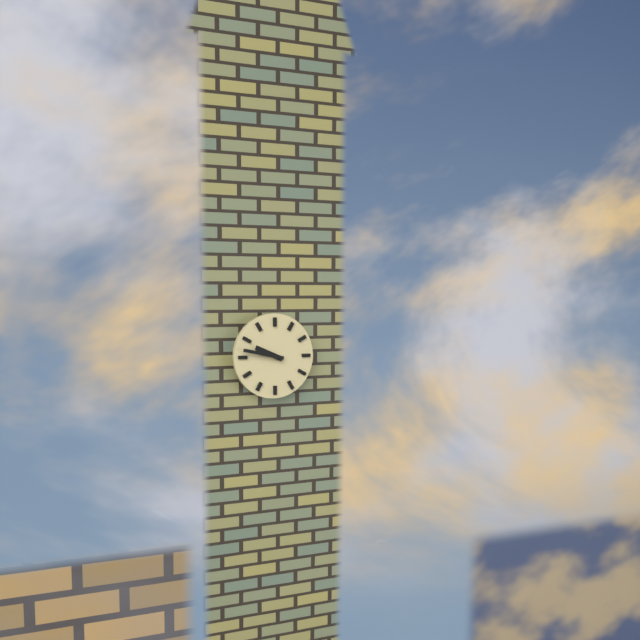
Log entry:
h=9 m=47
